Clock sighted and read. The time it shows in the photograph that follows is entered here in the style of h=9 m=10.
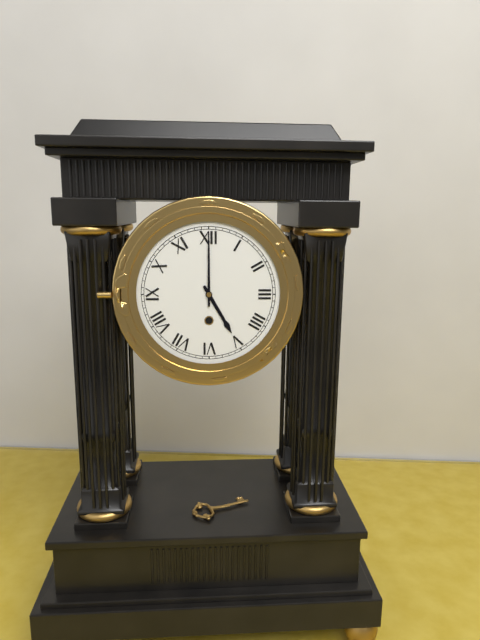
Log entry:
h=5 m=0
